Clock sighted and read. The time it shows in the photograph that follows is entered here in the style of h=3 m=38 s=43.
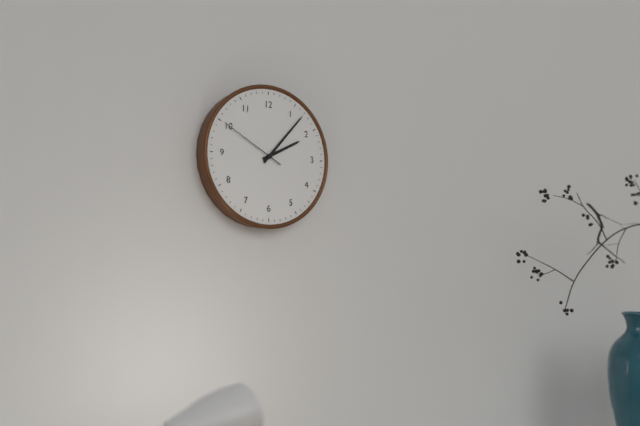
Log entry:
h=2 m=7 s=50
